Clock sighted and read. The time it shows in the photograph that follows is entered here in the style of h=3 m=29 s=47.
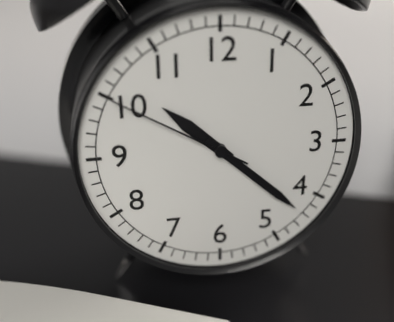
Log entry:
h=10 m=22 s=50
